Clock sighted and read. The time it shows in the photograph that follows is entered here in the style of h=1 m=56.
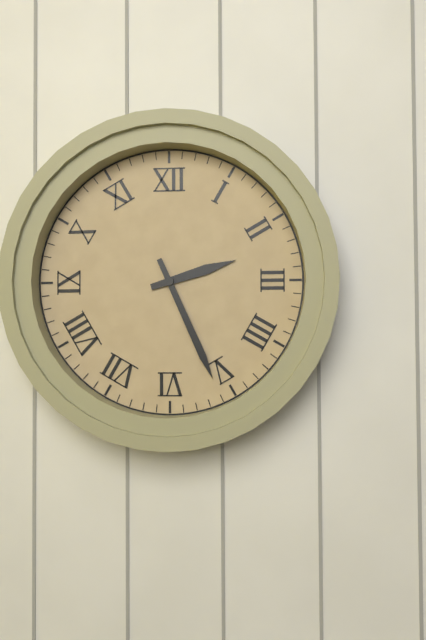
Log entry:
h=2 m=26
